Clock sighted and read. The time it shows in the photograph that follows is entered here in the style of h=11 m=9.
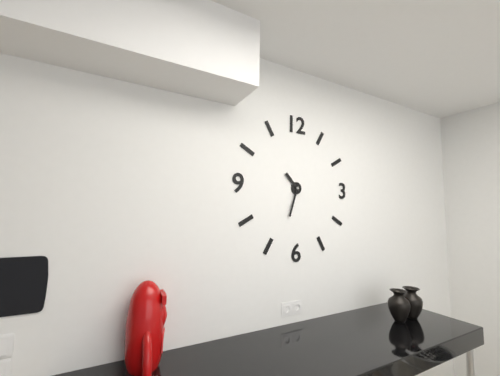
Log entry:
h=10 m=33
